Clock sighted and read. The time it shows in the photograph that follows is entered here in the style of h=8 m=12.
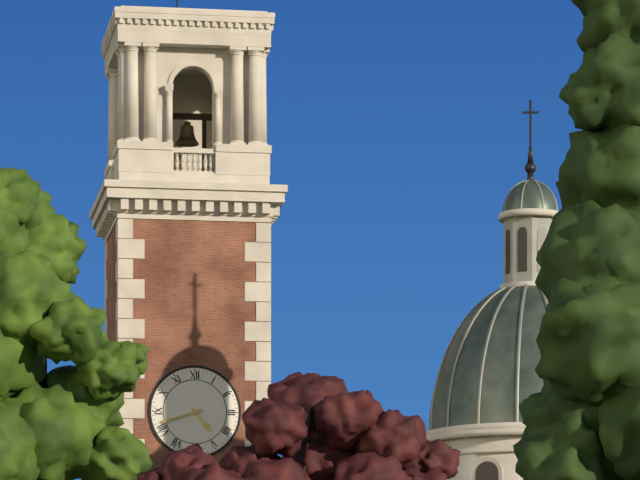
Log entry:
h=4 m=42
